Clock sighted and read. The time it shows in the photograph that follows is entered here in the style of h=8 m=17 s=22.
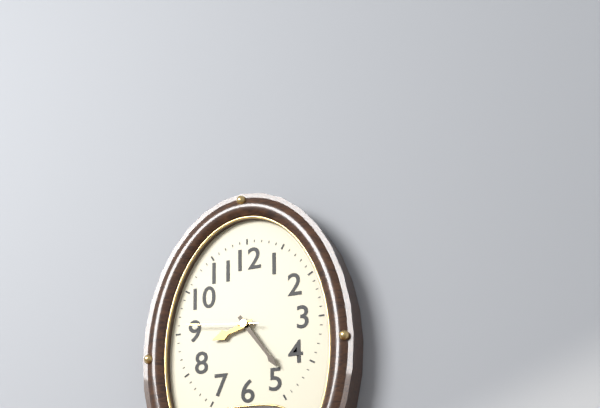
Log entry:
h=8 m=24 s=46
